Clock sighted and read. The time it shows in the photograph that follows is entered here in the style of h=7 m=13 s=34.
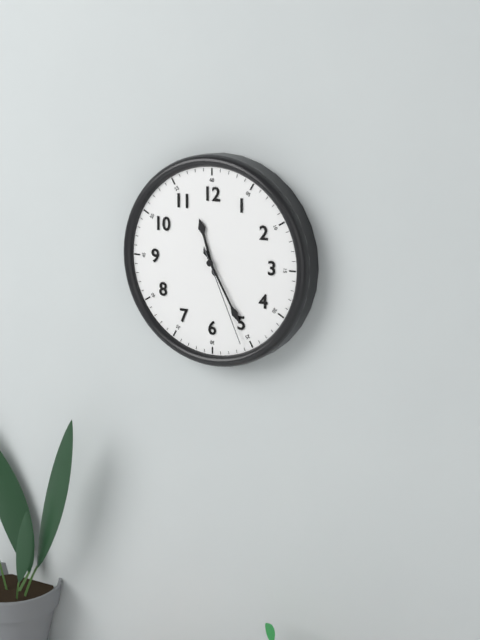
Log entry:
h=11 m=25 s=26
